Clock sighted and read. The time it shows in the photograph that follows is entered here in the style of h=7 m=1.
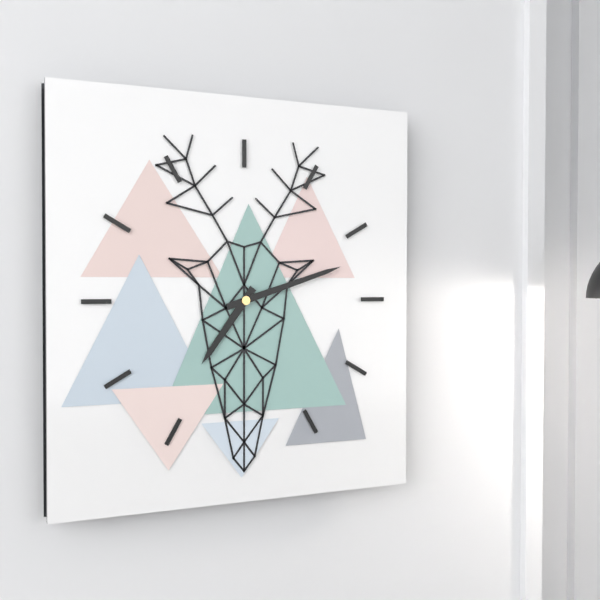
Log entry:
h=7 m=12
